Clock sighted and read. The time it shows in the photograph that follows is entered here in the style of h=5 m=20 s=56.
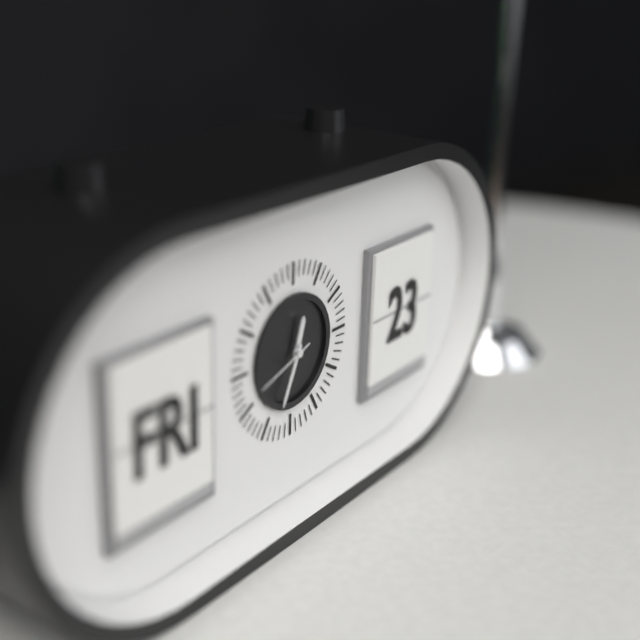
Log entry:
h=12 m=34 s=42
